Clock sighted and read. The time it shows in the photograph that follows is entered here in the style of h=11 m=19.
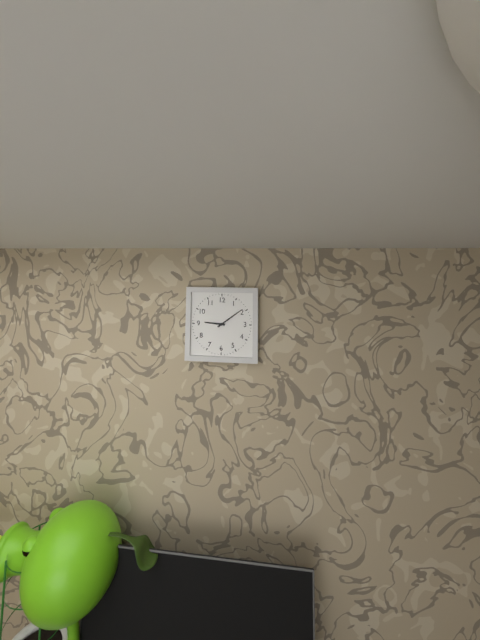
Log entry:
h=9 m=9
